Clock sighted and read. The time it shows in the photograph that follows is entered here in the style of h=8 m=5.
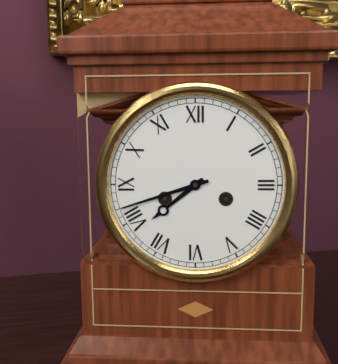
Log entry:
h=7 m=42
